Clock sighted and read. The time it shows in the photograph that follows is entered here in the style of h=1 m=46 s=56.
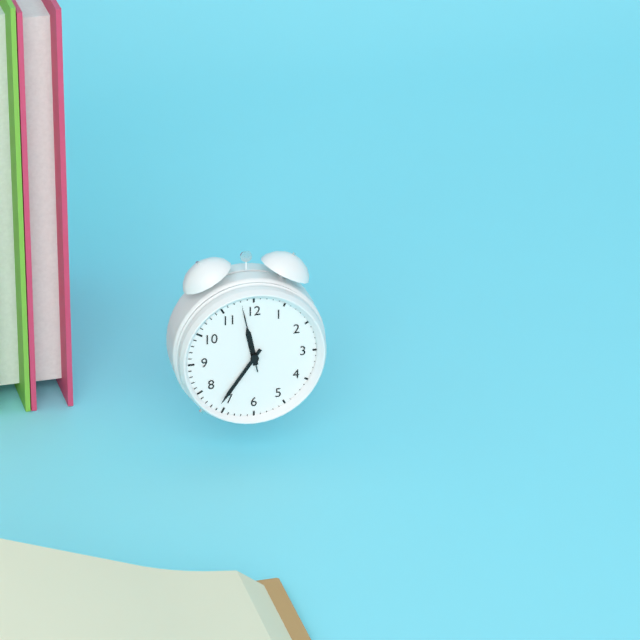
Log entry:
h=11 m=36 s=58
